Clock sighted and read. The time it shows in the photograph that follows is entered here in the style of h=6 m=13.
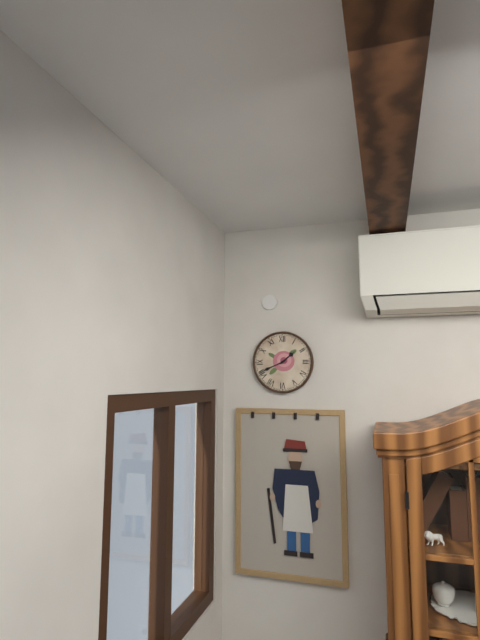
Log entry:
h=1 m=41
